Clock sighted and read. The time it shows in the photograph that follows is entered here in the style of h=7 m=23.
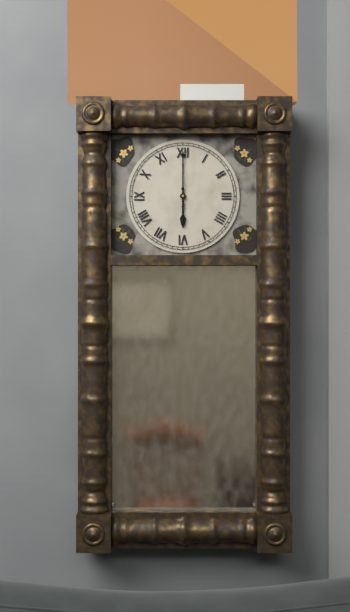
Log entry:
h=6 m=0
